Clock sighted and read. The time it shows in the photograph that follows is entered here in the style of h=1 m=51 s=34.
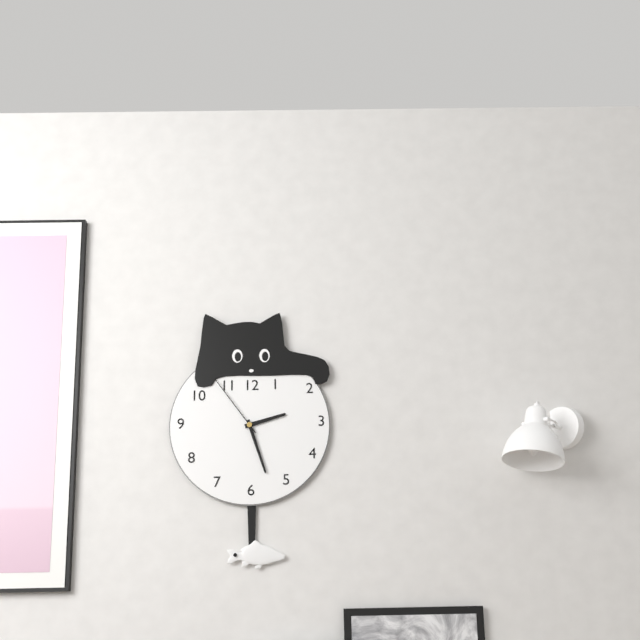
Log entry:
h=2 m=27 s=54
